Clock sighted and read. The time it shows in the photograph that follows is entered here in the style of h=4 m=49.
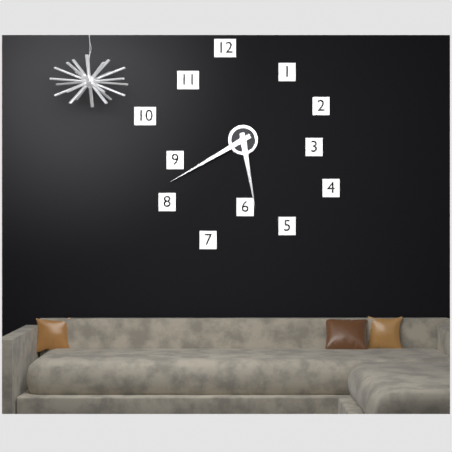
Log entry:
h=5 m=40
